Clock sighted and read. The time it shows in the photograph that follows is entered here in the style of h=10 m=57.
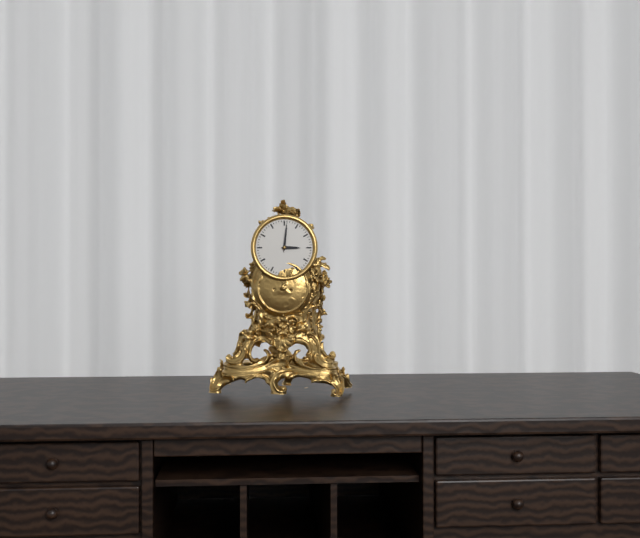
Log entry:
h=3 m=1
